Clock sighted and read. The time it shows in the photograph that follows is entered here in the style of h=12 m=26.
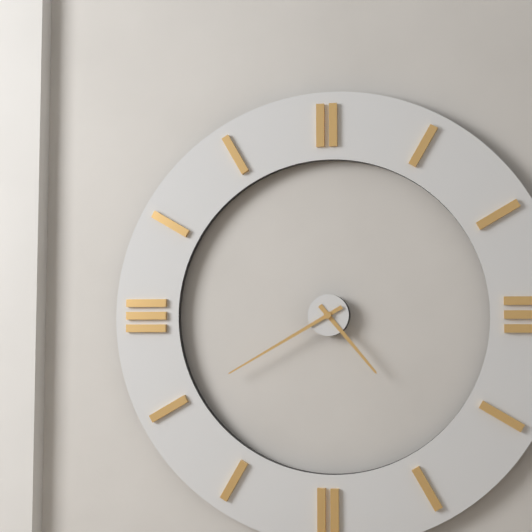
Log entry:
h=4 m=40
